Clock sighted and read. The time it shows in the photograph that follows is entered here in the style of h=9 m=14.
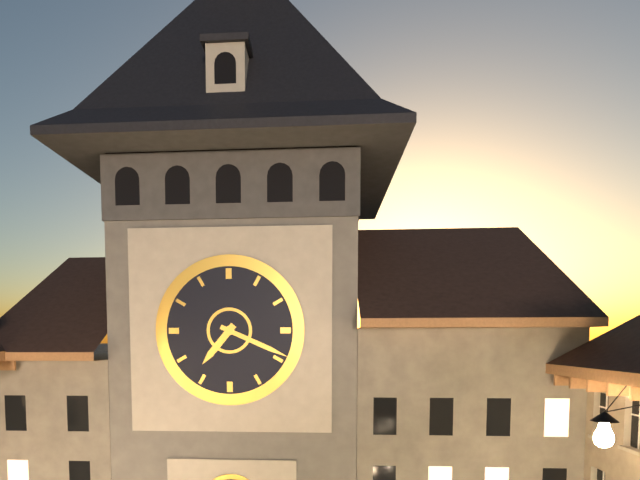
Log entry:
h=7 m=19
